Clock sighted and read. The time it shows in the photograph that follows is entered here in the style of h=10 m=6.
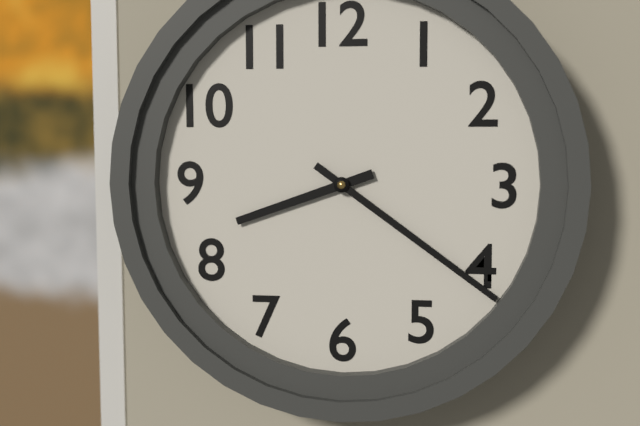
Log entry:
h=8 m=21
